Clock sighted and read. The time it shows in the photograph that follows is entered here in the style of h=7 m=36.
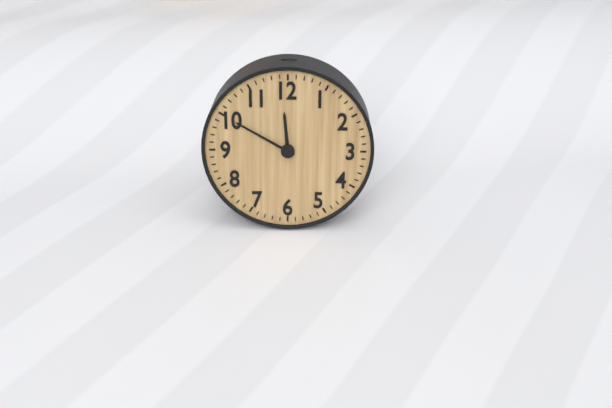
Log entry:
h=11 m=50
